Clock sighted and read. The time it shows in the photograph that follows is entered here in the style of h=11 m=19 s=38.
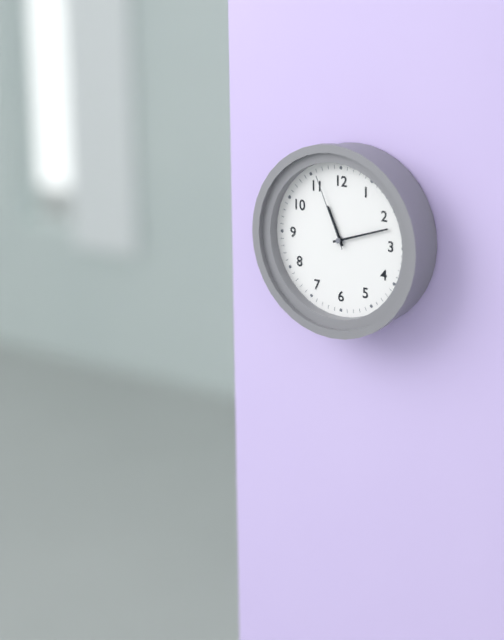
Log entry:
h=11 m=12 s=56
